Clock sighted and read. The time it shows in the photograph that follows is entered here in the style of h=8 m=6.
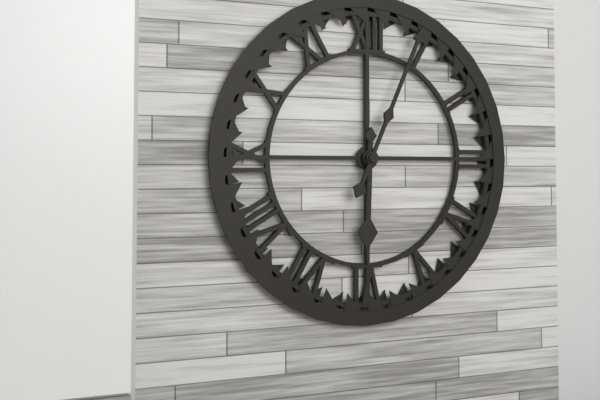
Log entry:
h=6 m=4
